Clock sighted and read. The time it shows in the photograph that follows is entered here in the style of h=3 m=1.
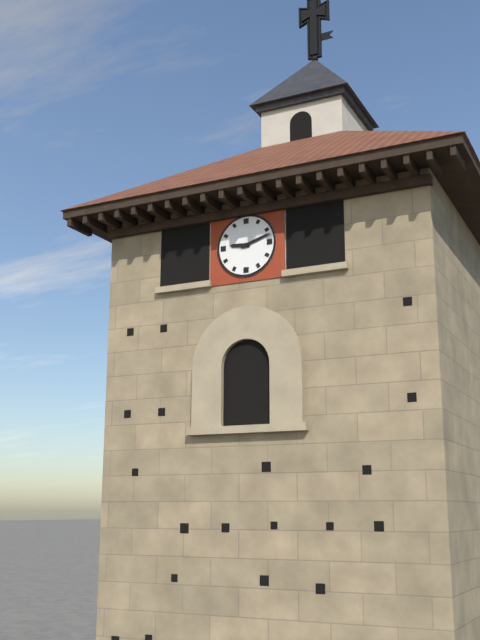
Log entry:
h=9 m=12
